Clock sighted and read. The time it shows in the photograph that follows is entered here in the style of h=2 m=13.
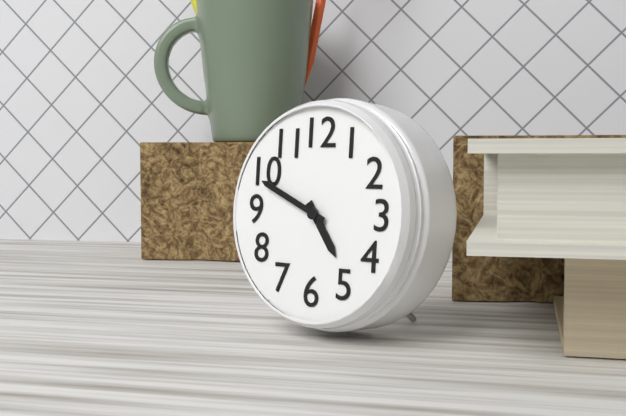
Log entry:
h=4 m=49
